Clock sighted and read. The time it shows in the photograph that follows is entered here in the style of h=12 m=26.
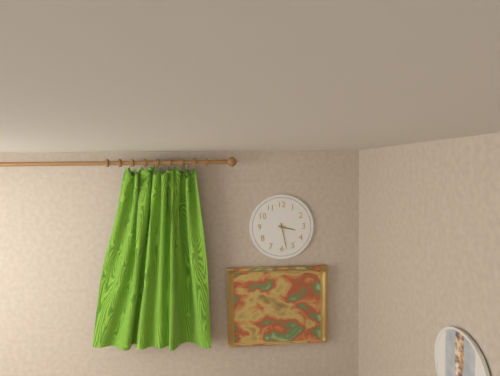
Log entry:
h=3 m=28
